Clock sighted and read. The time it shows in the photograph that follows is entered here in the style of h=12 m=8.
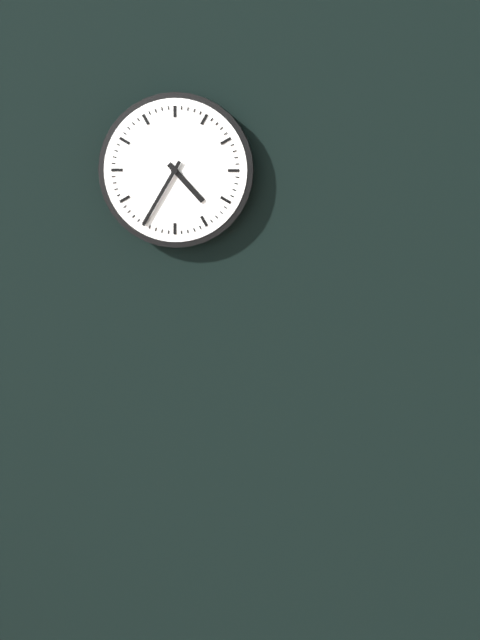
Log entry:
h=4 m=35
